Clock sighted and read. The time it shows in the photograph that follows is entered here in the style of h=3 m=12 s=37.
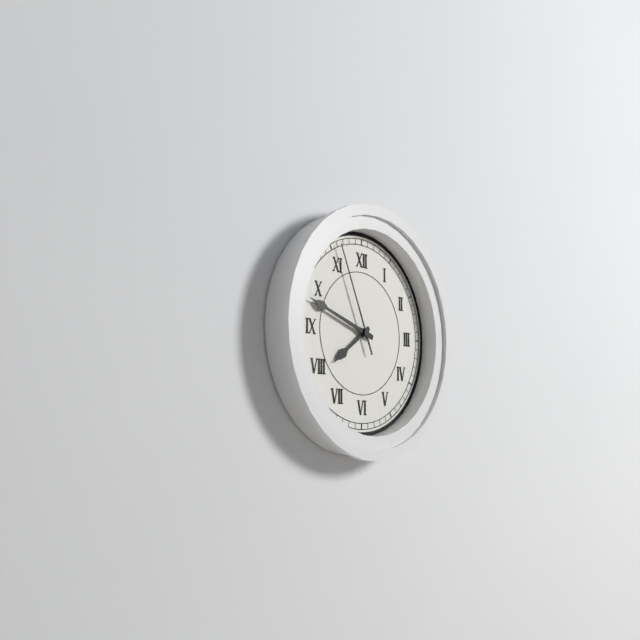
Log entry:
h=7 m=48 s=56
